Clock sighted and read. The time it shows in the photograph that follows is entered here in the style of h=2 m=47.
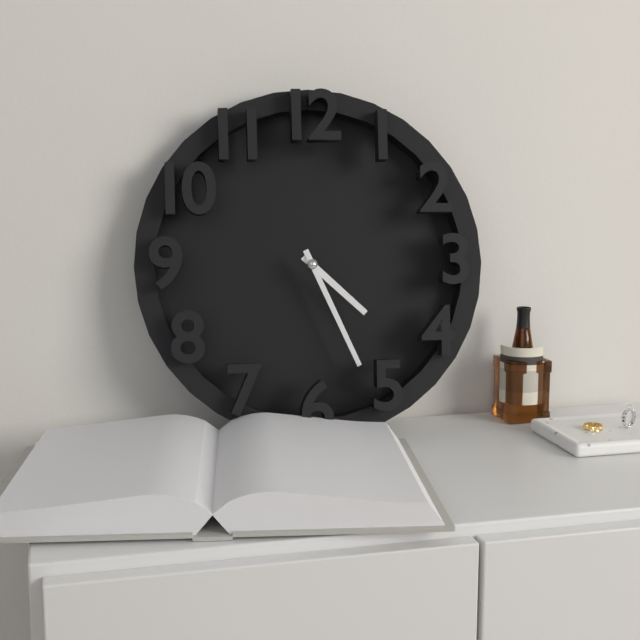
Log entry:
h=4 m=26
